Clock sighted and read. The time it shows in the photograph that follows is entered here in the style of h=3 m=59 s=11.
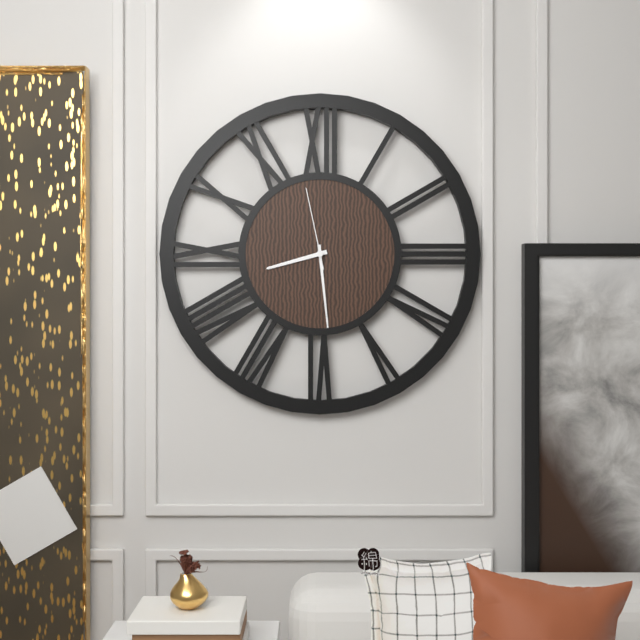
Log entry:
h=8 m=29 s=58
